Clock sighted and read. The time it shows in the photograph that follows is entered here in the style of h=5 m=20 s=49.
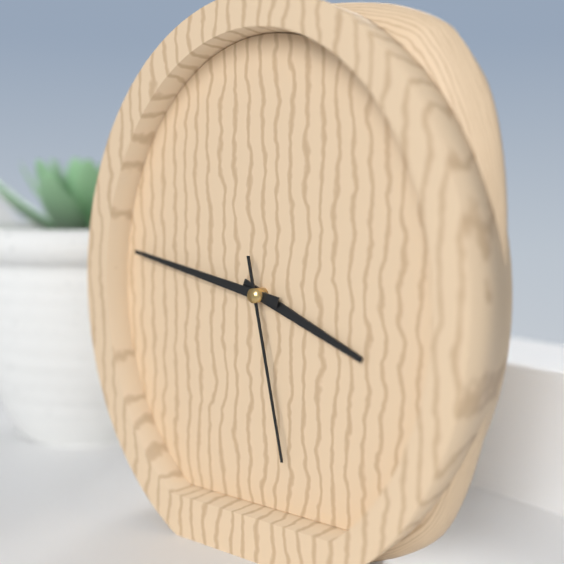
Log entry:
h=3 m=47 s=28
